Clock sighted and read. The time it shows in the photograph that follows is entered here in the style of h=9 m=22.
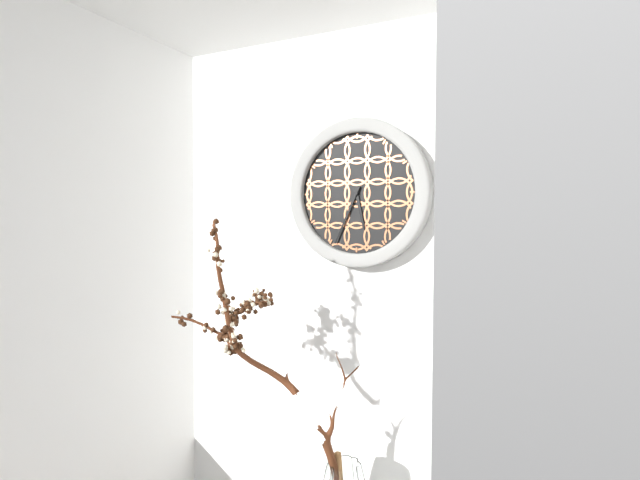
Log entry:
h=5 m=34
